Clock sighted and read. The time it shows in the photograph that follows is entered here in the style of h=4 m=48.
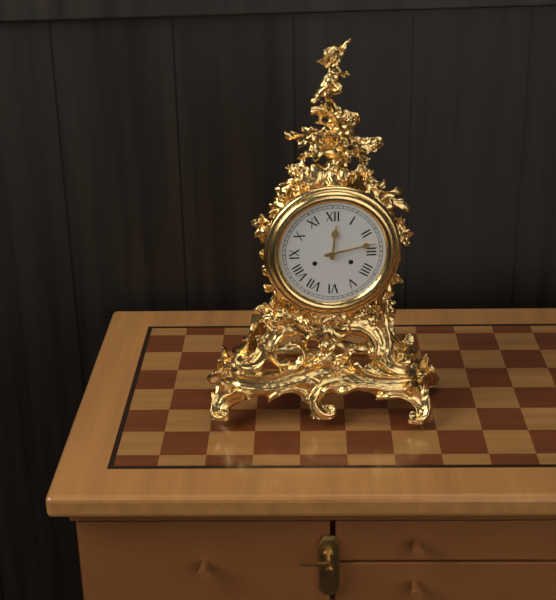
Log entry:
h=12 m=13
